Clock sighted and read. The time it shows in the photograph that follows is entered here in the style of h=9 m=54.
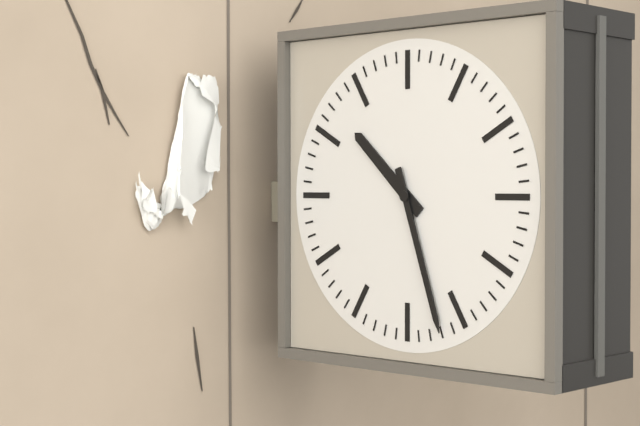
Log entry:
h=10 m=27
